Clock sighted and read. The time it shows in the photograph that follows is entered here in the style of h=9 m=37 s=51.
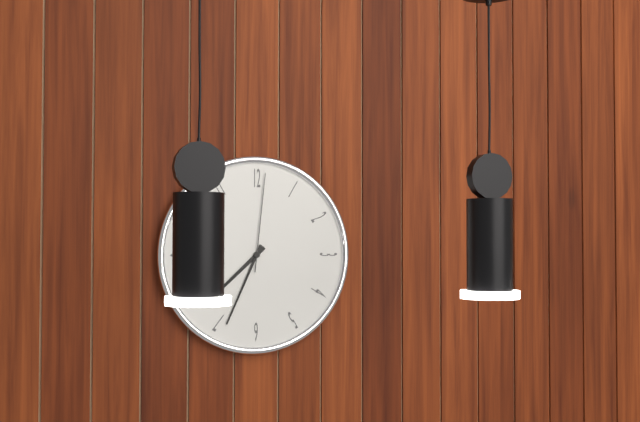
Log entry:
h=7 m=34 s=1
